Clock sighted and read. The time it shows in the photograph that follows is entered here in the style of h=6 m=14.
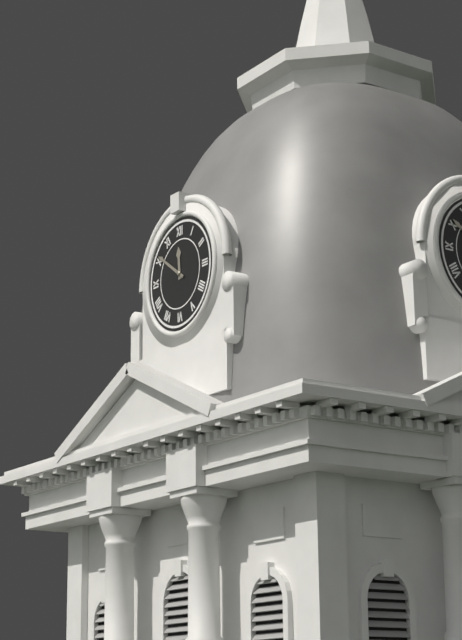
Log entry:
h=11 m=51
